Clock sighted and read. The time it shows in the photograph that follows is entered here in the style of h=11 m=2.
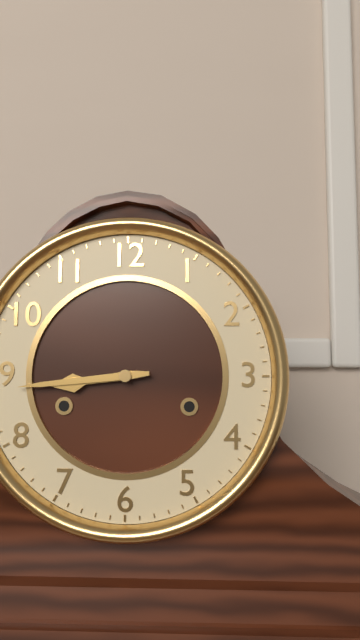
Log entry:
h=8 m=44
